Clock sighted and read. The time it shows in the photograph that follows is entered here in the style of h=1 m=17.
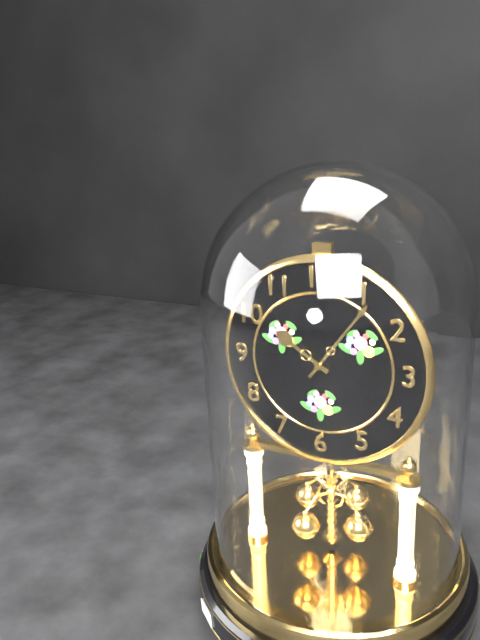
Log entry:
h=10 m=6
